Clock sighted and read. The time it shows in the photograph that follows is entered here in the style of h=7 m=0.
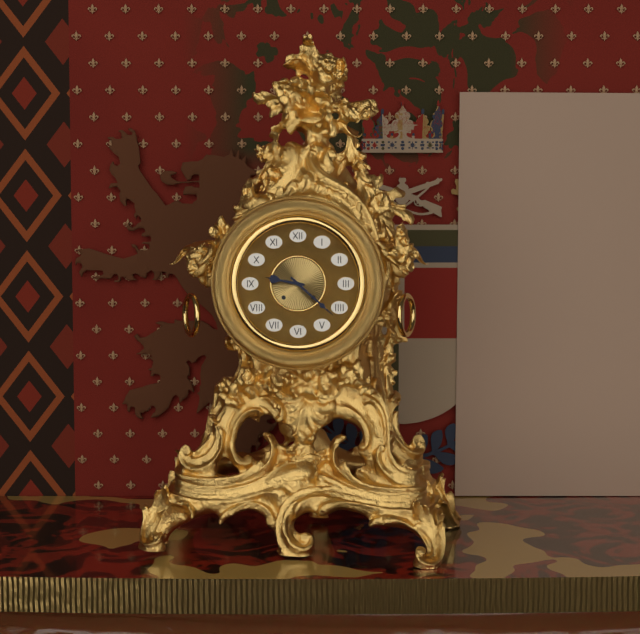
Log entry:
h=9 m=22
